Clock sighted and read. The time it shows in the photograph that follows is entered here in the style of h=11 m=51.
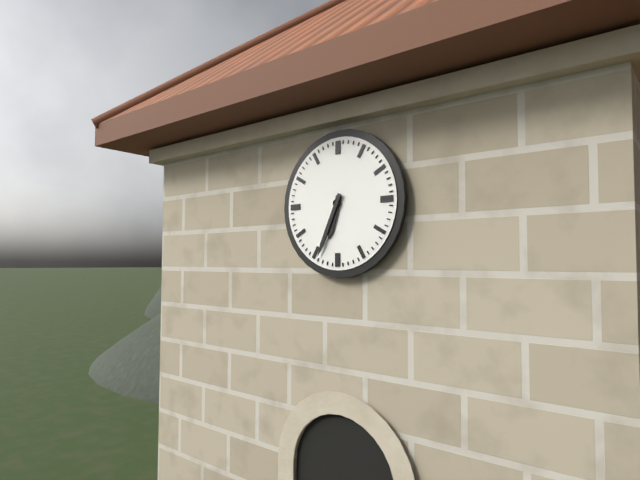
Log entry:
h=6 m=34
